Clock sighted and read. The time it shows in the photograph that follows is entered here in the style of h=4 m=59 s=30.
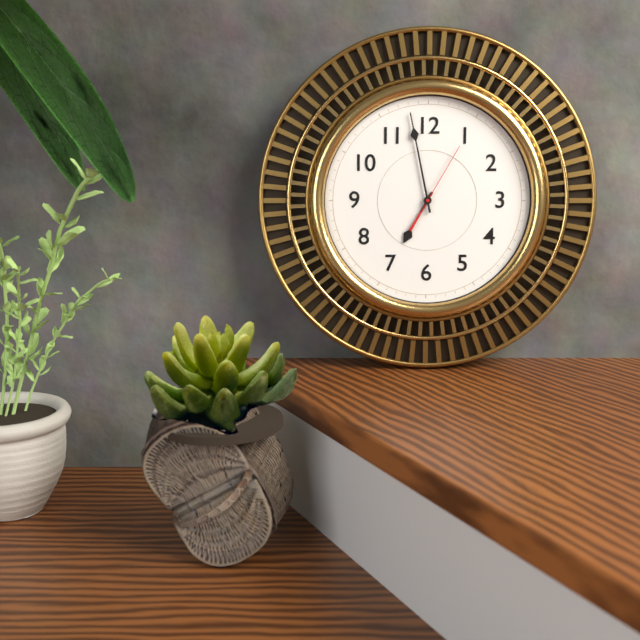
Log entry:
h=6 m=58 s=5
